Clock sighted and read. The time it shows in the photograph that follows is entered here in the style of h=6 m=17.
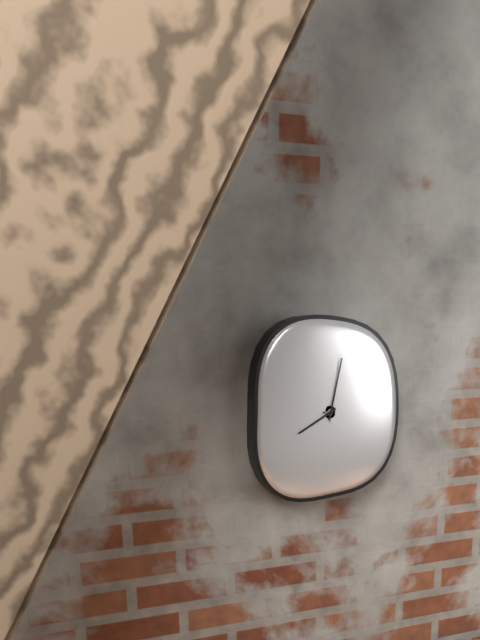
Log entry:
h=8 m=2
